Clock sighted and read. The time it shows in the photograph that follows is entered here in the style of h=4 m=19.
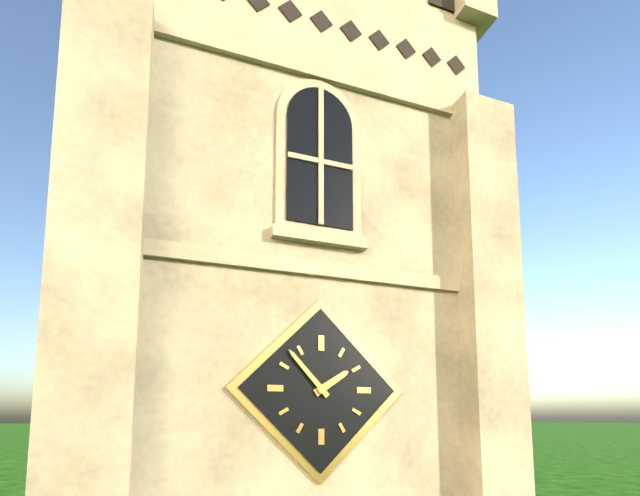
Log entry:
h=1 m=53
